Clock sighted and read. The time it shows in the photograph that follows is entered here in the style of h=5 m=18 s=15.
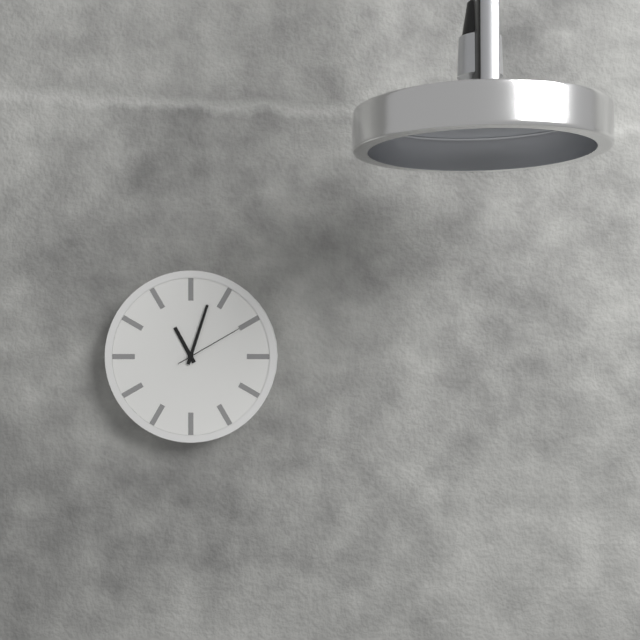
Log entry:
h=11 m=3 s=10
